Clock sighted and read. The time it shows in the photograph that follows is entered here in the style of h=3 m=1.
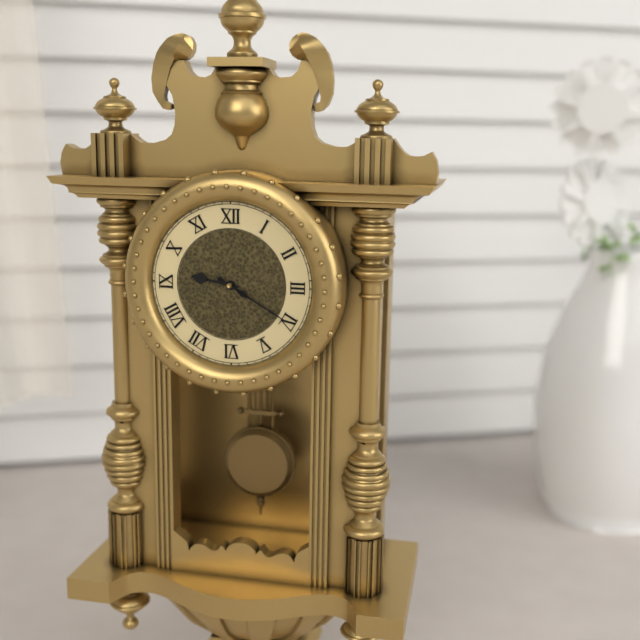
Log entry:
h=9 m=20
